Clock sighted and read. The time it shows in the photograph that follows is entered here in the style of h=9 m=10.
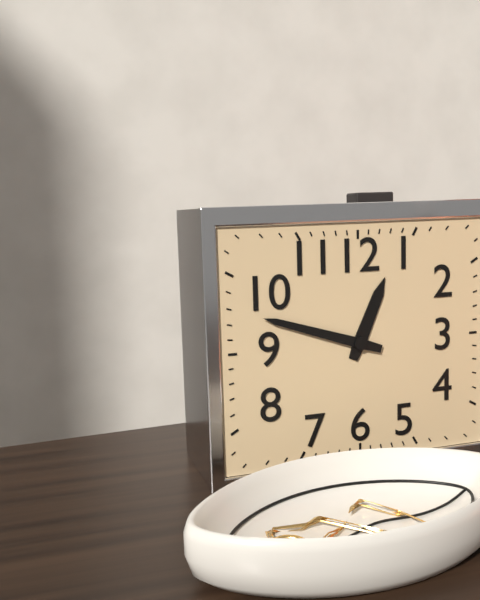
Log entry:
h=12 m=48
